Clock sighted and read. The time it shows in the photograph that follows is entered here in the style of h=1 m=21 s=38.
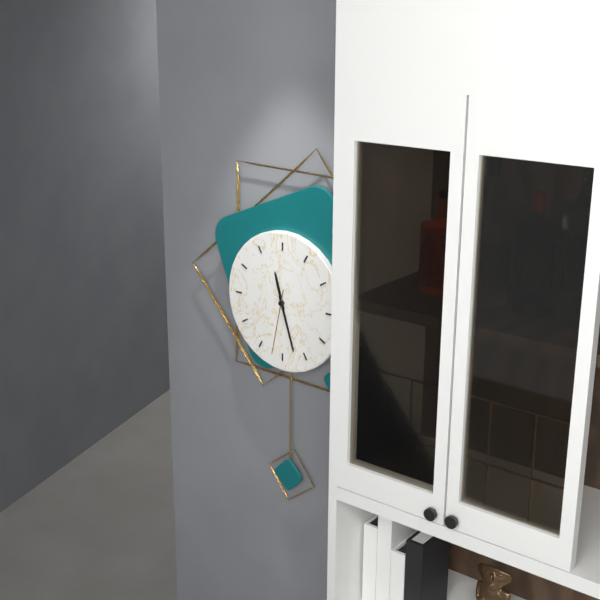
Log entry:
h=11 m=27 s=32
